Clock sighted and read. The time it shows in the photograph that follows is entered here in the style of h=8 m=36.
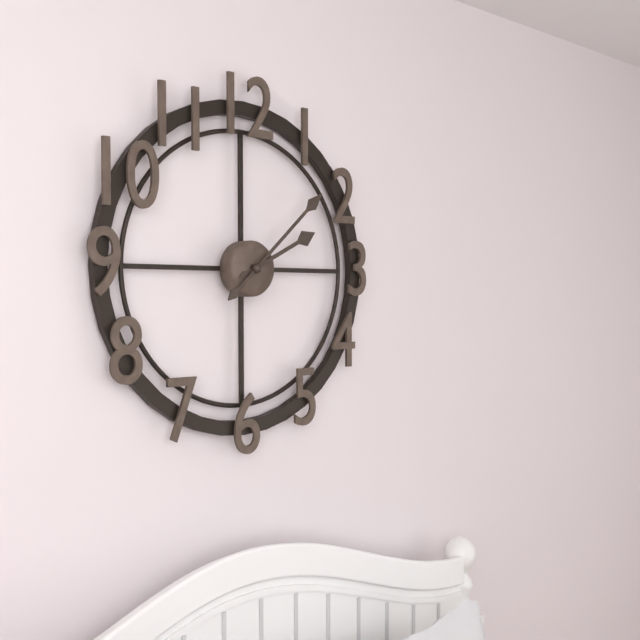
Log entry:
h=2 m=8
